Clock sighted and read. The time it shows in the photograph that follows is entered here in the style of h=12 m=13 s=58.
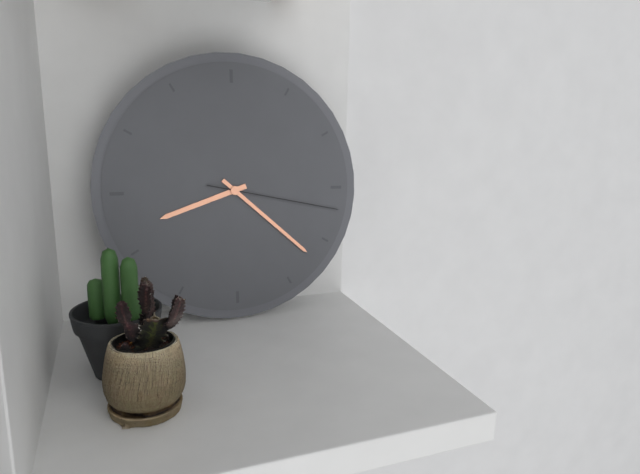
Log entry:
h=8 m=22 s=17
